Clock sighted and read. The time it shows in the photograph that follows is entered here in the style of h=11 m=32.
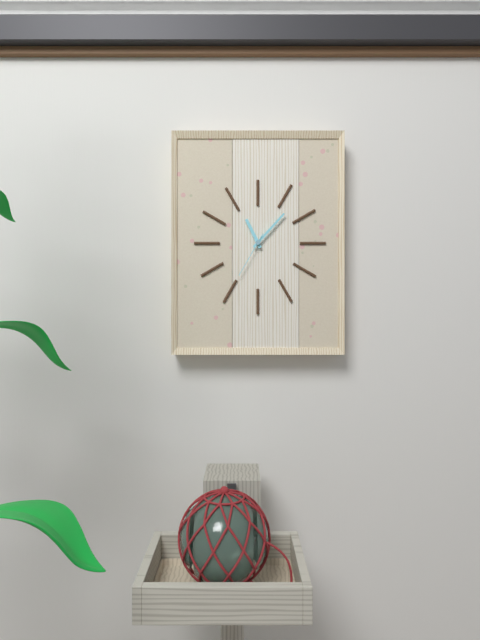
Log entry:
h=11 m=7
